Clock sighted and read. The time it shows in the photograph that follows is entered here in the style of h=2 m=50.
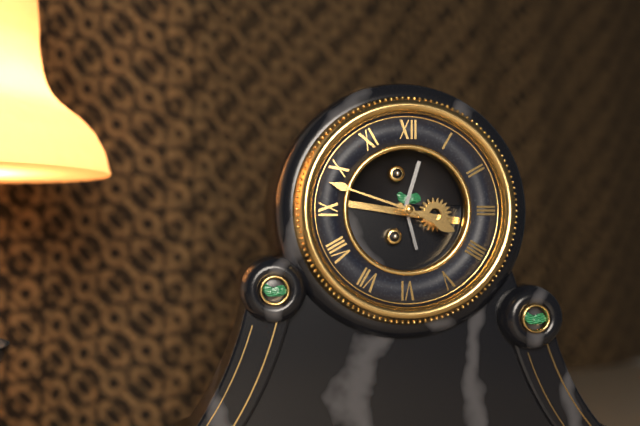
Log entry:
h=3 m=48
